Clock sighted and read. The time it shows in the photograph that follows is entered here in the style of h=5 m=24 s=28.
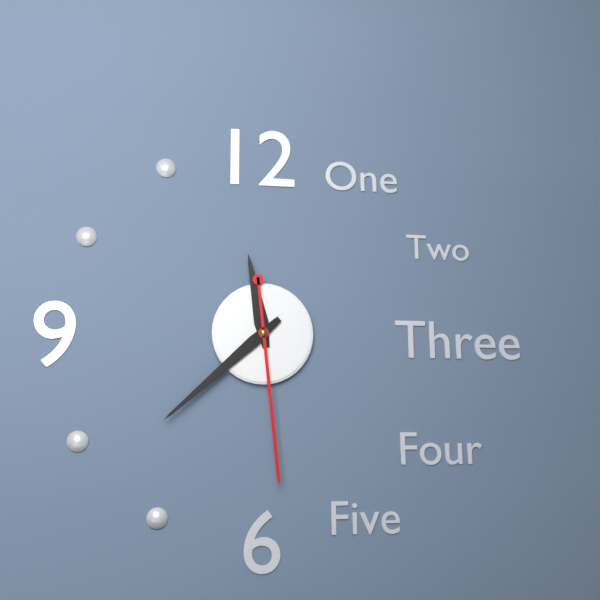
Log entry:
h=11 m=38 s=29
